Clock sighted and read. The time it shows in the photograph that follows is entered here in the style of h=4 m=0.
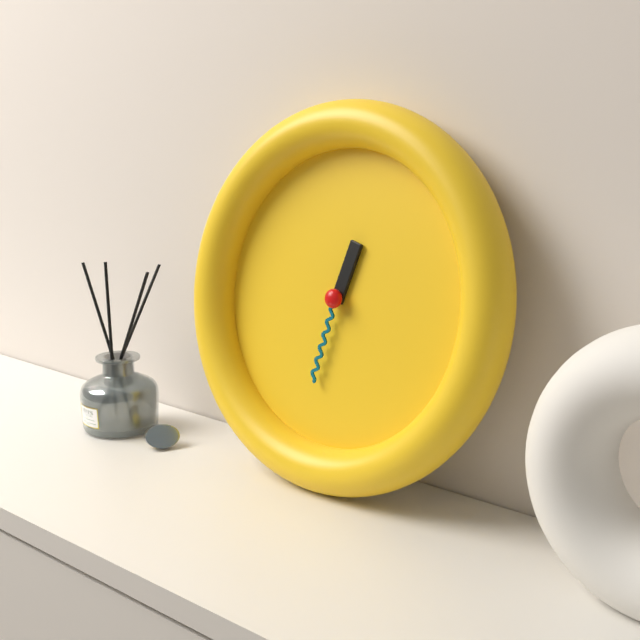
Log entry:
h=12 m=32
